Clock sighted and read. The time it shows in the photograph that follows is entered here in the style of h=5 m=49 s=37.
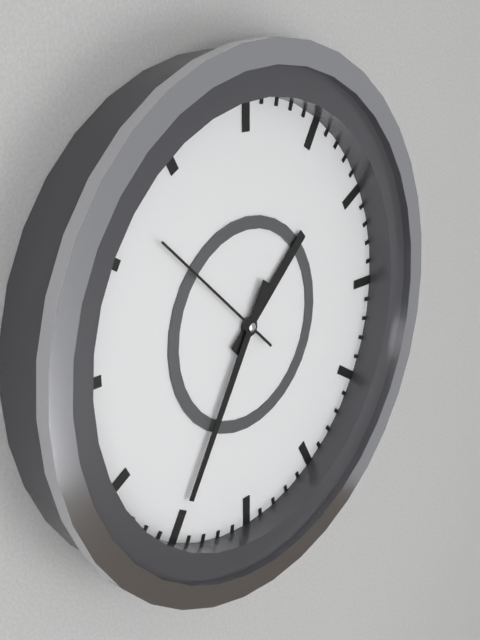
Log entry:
h=1 m=35 s=52
